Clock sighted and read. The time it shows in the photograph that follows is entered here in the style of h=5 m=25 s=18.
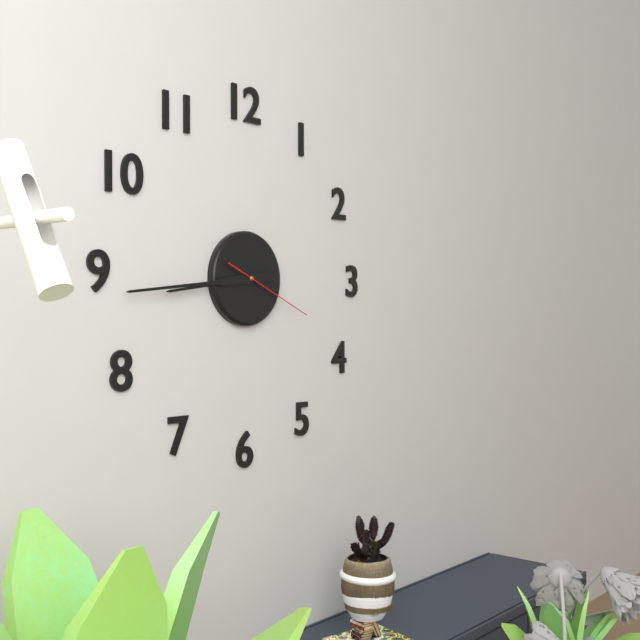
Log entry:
h=8 m=44 s=19
